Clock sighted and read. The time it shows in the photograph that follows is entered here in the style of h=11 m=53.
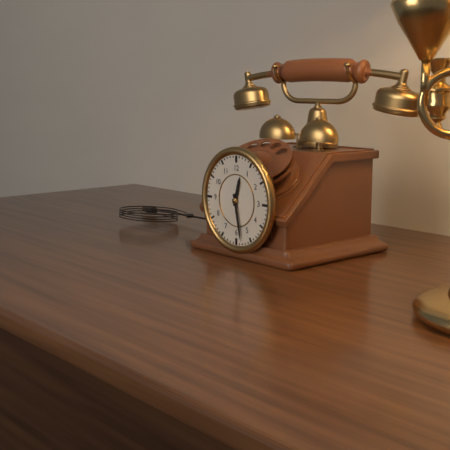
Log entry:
h=12 m=28
